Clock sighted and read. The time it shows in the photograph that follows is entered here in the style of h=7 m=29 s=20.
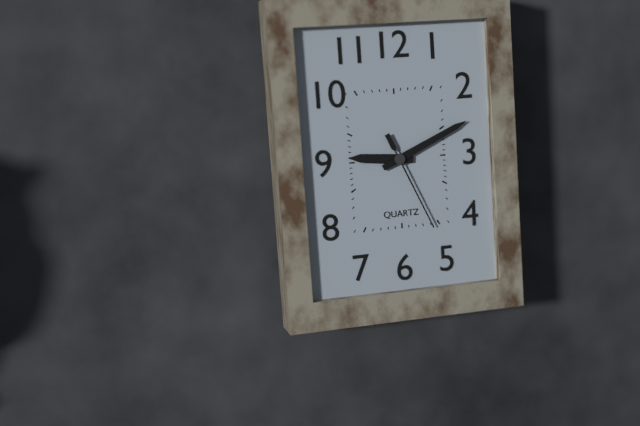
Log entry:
h=9 m=11 s=26
